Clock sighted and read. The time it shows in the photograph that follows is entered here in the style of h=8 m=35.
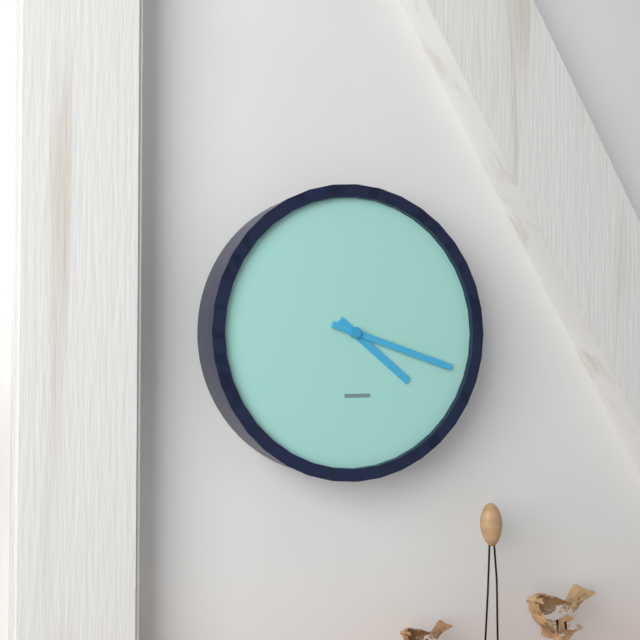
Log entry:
h=4 m=18
